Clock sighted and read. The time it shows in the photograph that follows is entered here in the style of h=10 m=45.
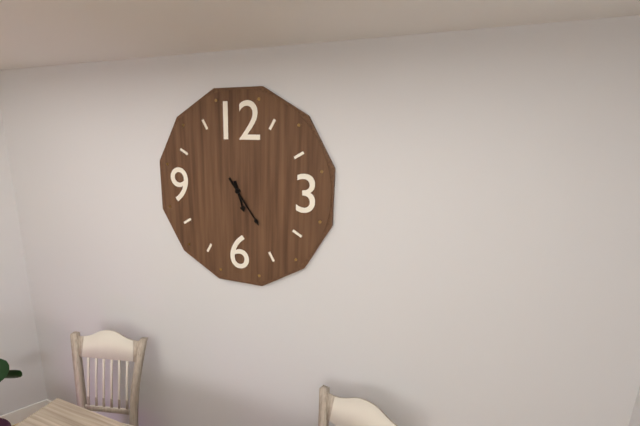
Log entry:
h=5 m=24
